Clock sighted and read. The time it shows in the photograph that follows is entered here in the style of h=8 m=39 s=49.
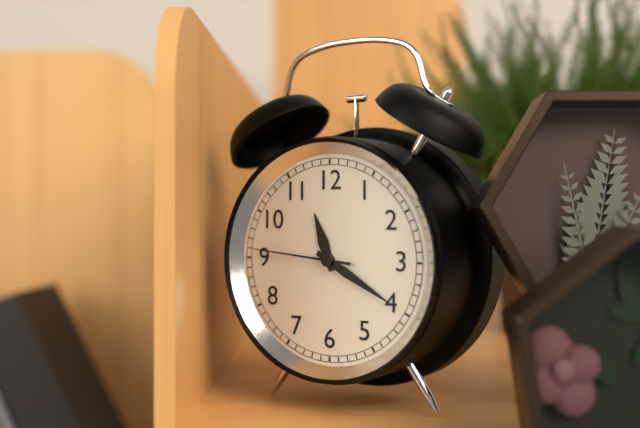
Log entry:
h=11 m=20 s=46
